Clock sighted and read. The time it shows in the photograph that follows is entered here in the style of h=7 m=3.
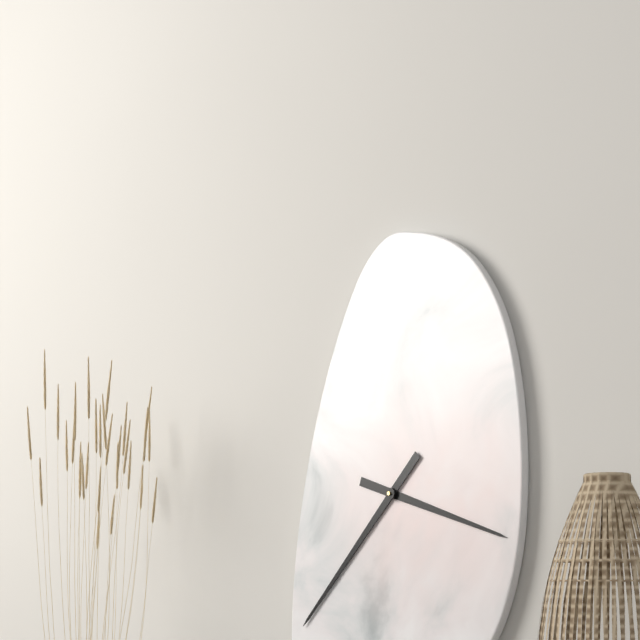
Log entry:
h=3 m=37
